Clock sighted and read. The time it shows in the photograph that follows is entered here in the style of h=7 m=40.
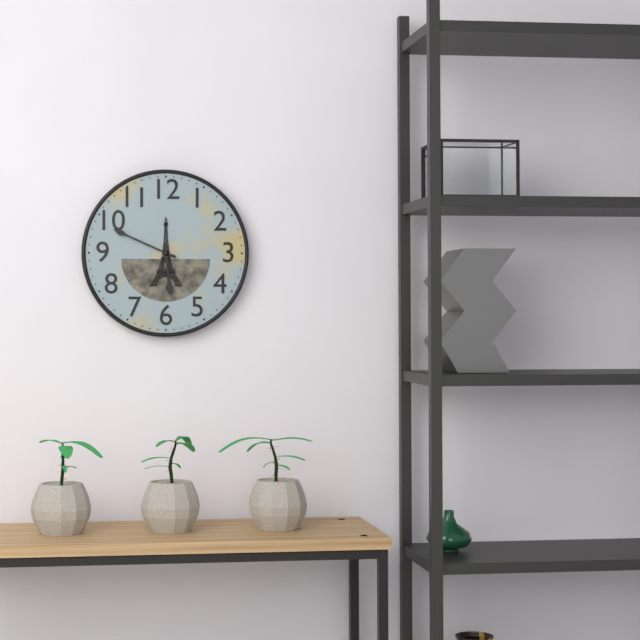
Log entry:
h=5 m=49
